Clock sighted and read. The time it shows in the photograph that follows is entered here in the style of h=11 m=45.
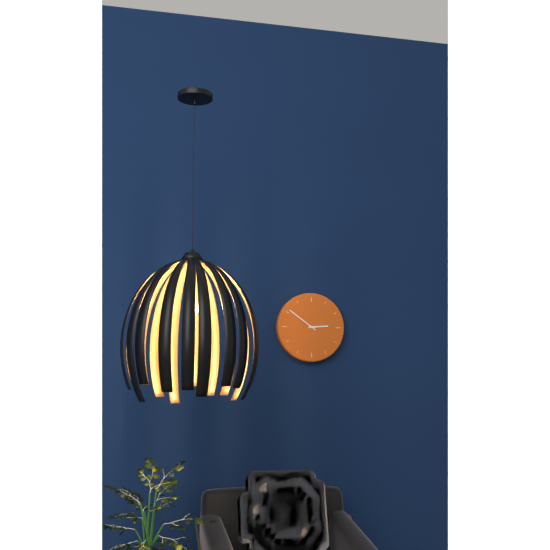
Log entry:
h=2 m=51
